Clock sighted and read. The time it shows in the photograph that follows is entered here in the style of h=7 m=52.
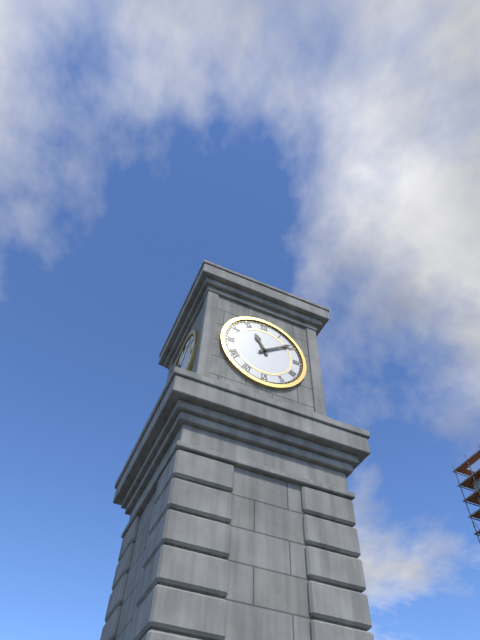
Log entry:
h=11 m=9
